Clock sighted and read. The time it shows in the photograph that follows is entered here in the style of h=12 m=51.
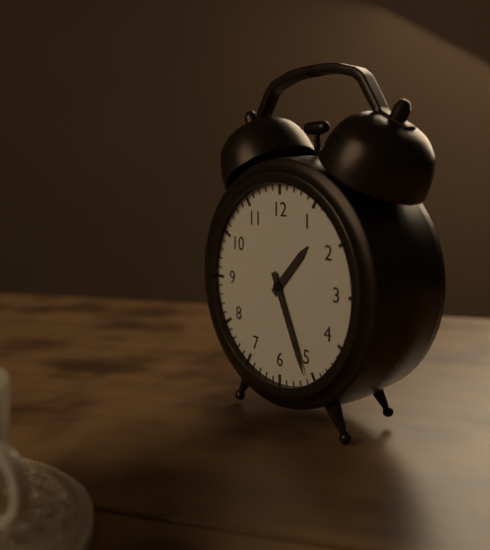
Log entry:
h=1 m=26
